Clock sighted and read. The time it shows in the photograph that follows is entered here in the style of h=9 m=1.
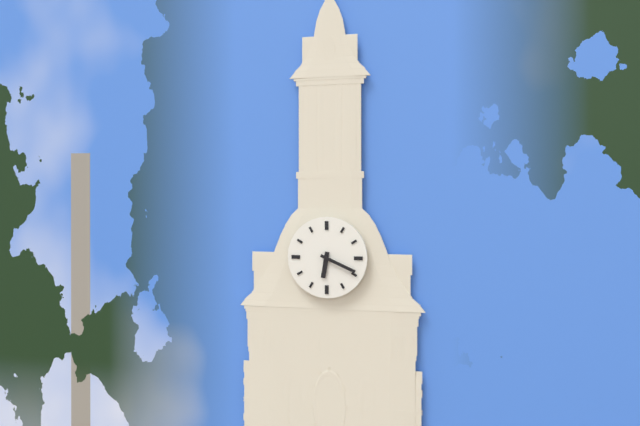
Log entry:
h=6 m=19
